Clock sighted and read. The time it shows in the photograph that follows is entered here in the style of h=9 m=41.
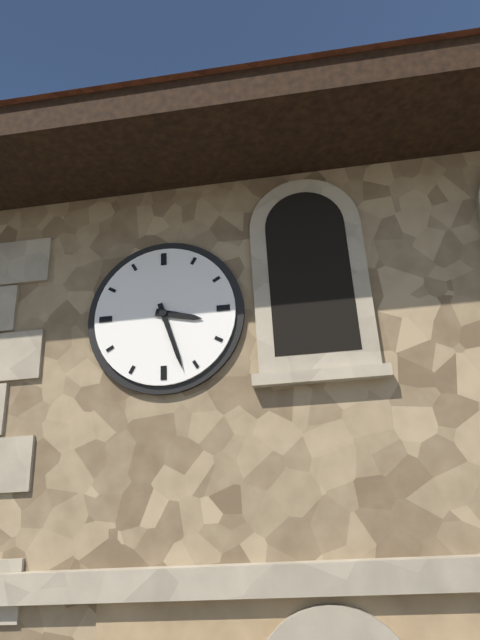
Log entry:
h=3 m=27
